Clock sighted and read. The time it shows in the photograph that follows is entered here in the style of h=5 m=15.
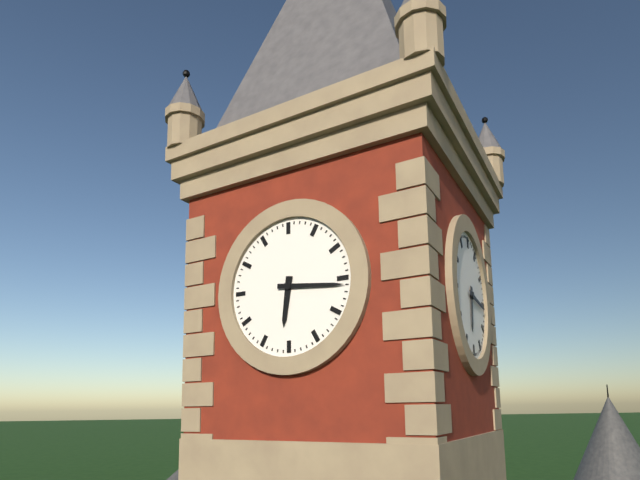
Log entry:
h=6 m=16
